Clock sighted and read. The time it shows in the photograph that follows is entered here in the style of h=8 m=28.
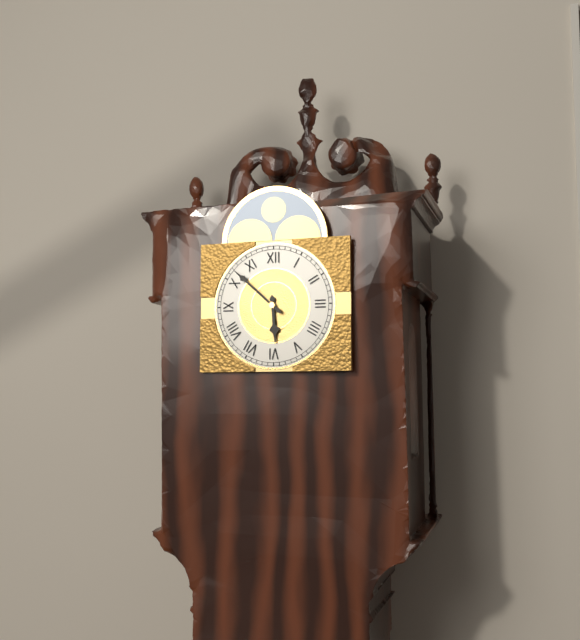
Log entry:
h=5 m=52
